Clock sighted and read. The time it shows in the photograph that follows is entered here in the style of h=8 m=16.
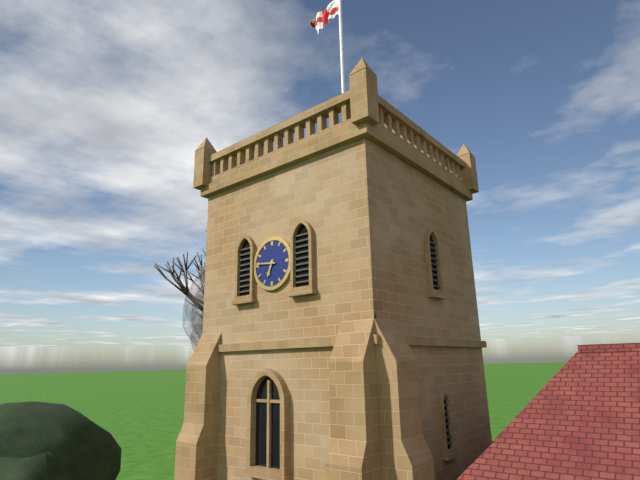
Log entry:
h=6 m=46
